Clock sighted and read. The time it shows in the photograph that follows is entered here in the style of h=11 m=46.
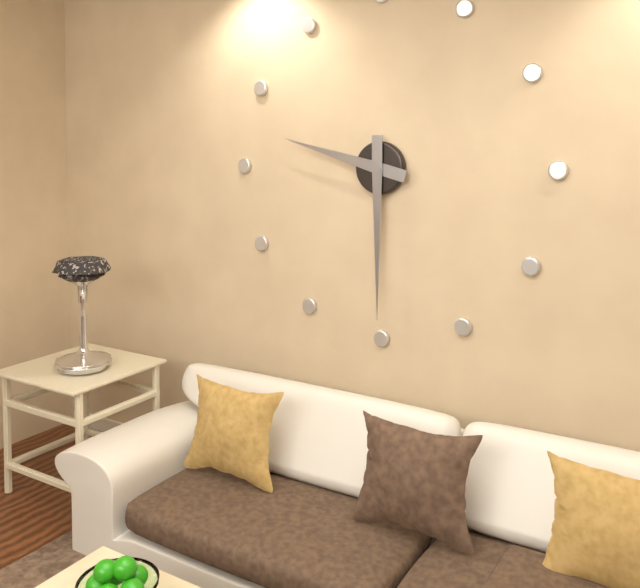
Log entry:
h=9 m=30
